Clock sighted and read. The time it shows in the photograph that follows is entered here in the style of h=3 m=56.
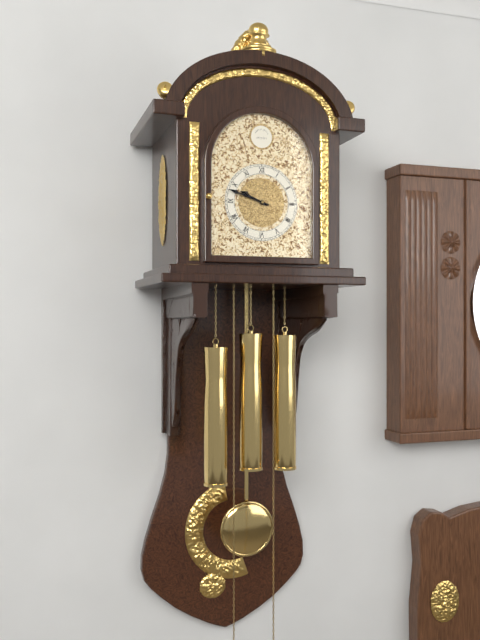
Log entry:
h=9 m=48
